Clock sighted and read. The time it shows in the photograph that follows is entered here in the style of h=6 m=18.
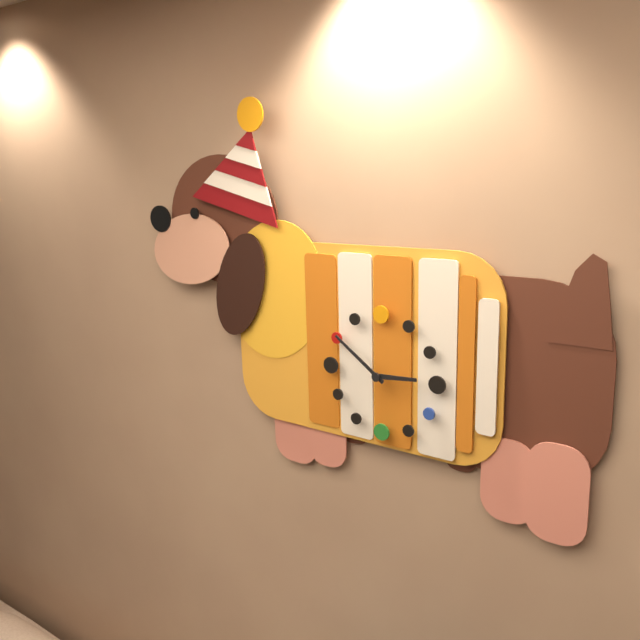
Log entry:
h=2 m=51
